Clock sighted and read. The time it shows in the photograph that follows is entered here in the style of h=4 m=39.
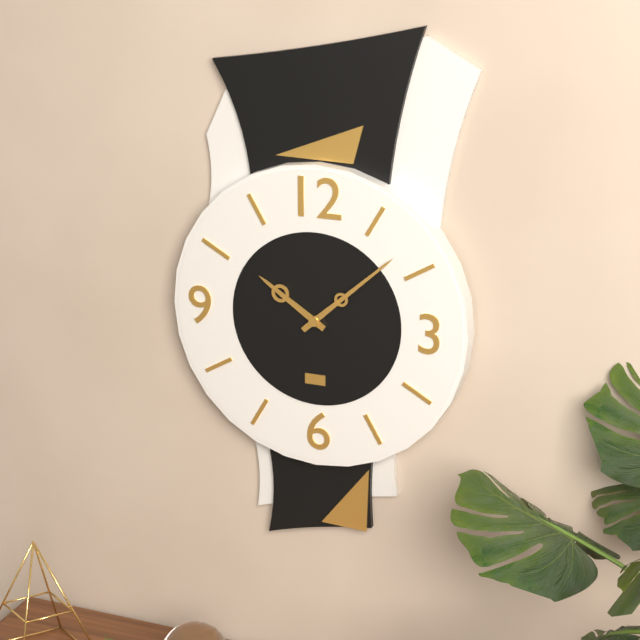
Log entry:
h=10 m=8
